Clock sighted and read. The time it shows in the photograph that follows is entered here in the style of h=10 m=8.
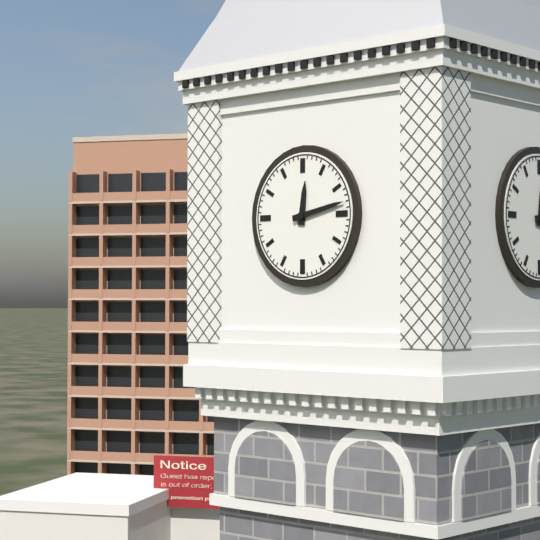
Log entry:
h=12 m=13
